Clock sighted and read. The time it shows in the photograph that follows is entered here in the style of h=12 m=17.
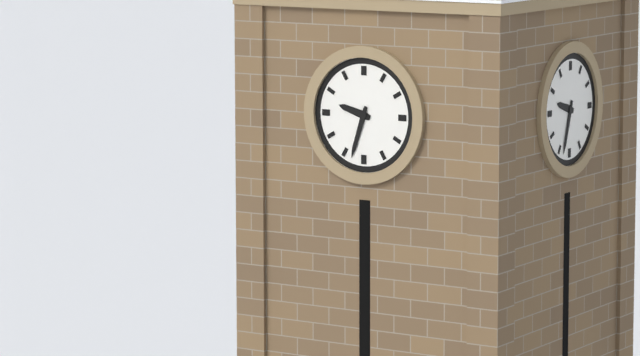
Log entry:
h=9 m=33
